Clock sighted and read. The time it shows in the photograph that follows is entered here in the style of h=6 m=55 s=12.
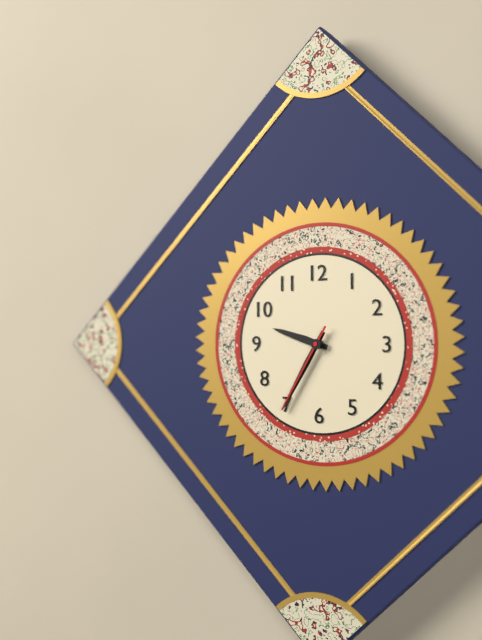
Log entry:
h=9 m=35 s=35
